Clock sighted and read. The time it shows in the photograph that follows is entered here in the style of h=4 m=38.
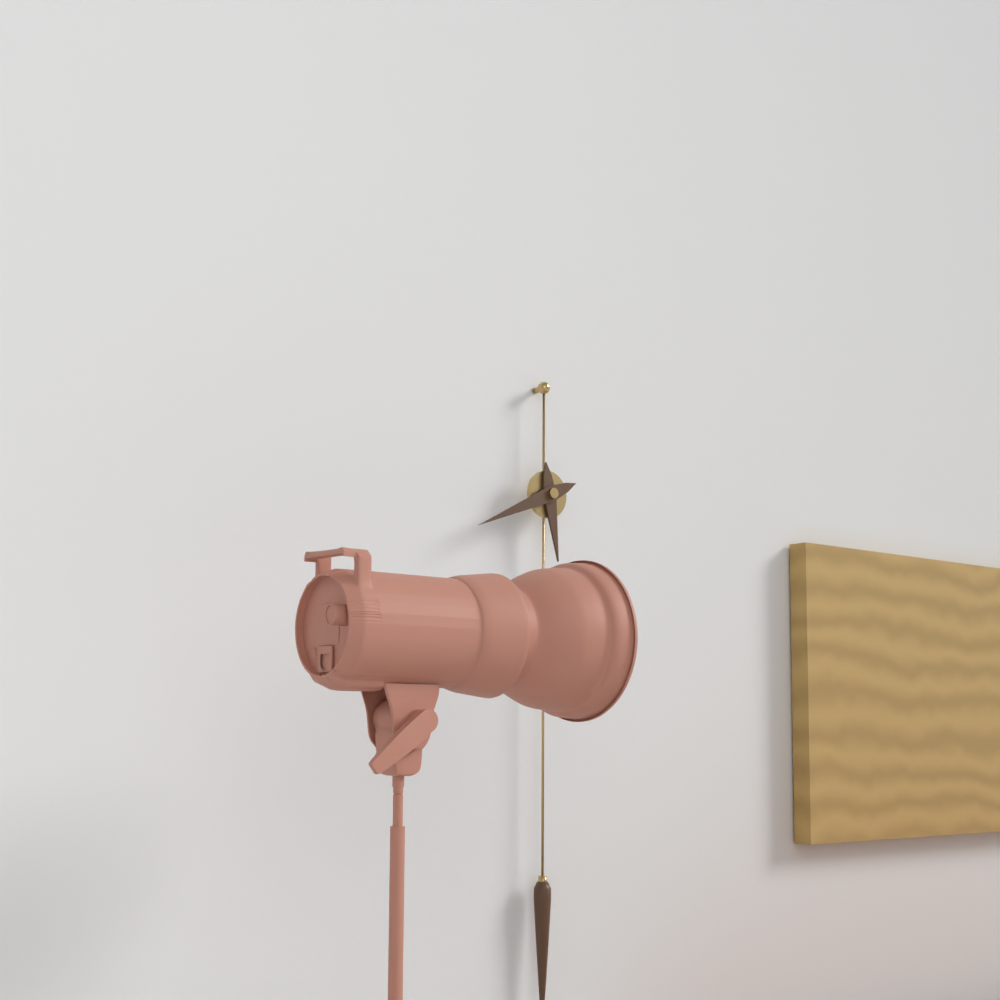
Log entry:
h=5 m=41
